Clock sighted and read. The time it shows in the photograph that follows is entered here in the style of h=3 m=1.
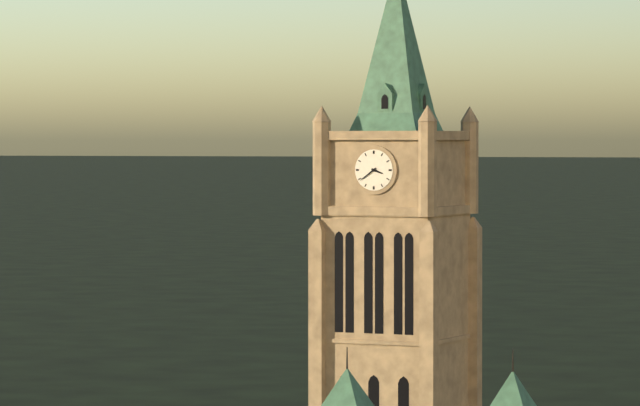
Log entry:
h=3 m=39
